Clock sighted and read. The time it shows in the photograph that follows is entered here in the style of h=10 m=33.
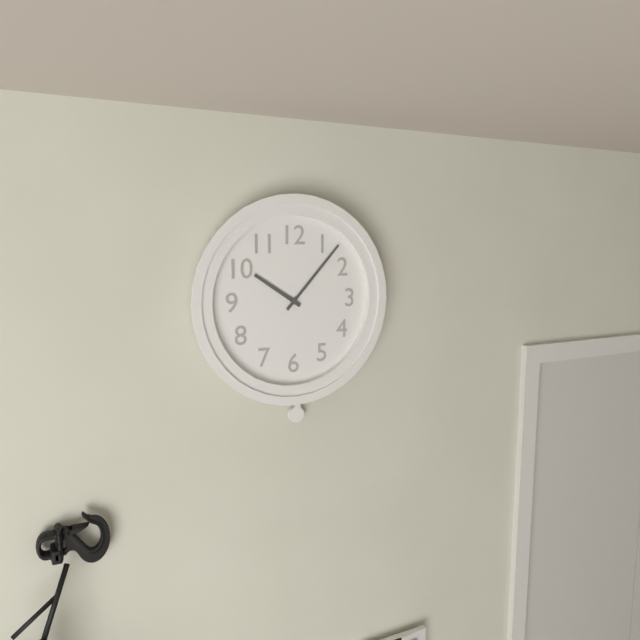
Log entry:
h=10 m=7
